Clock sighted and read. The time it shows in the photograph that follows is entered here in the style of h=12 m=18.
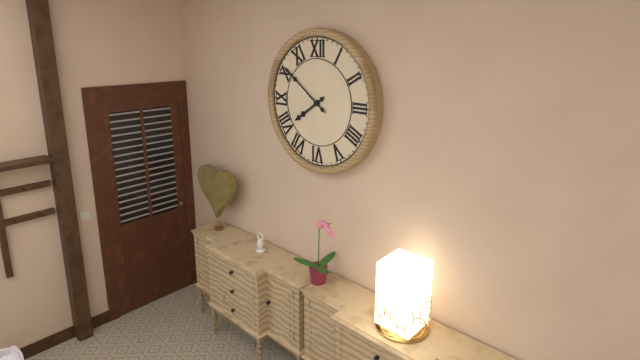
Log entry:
h=7 m=51
